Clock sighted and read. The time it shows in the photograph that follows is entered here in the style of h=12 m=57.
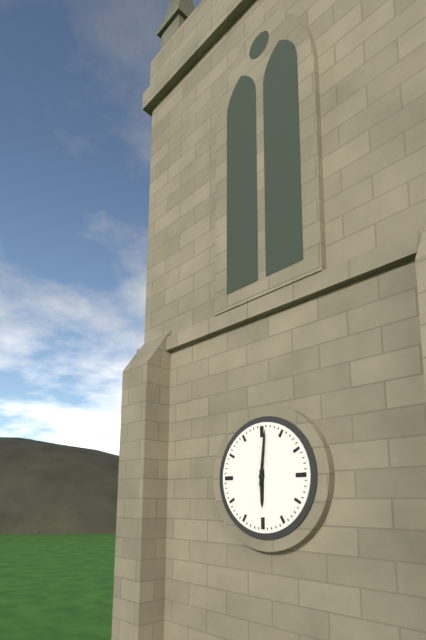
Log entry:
h=6 m=1
